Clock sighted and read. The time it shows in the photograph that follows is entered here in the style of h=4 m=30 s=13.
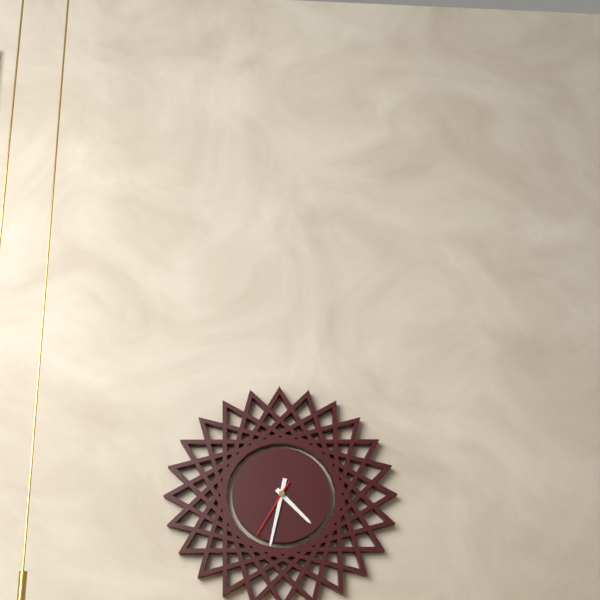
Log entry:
h=4 m=32 s=35
